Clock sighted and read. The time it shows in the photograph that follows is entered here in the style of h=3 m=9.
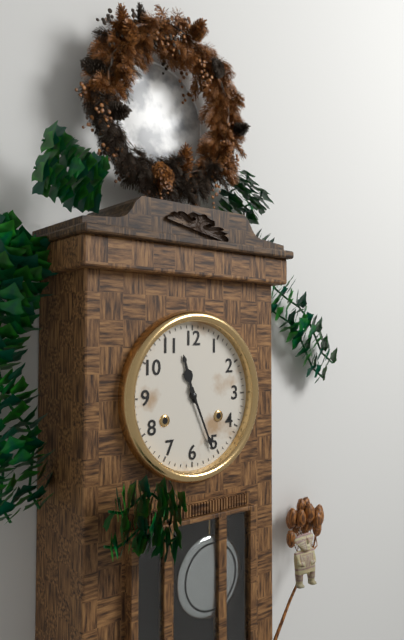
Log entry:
h=11 m=26
